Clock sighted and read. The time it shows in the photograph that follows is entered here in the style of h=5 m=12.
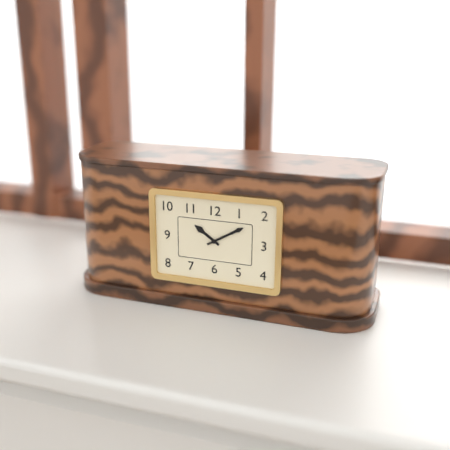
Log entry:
h=10 m=10
